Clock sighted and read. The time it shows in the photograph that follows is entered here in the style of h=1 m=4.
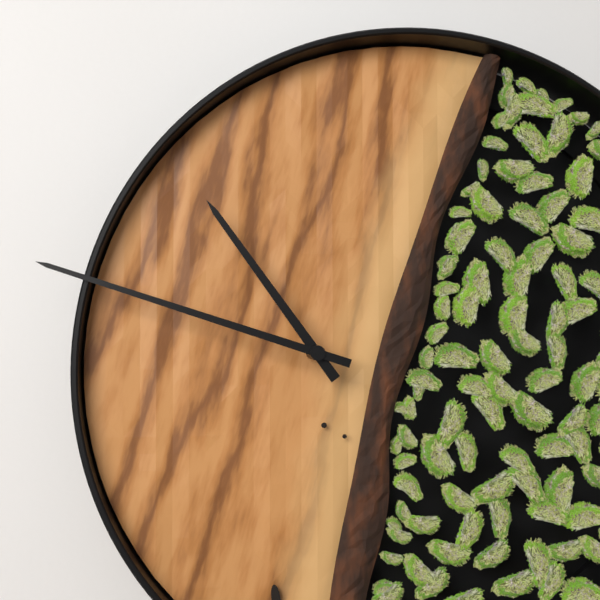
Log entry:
h=10 m=48
